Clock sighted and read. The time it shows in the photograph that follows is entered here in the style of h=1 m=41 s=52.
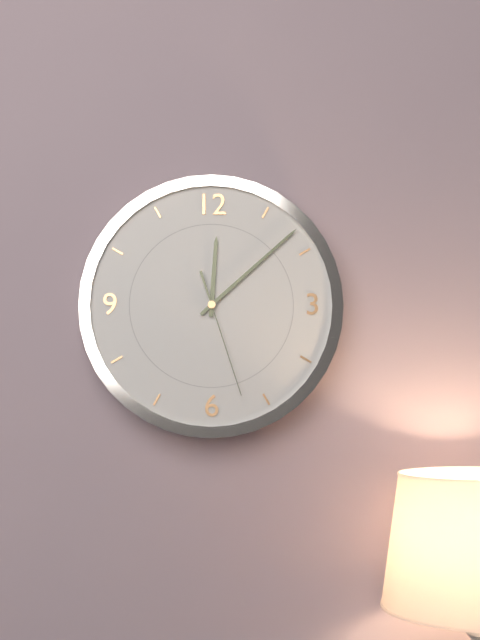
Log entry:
h=12 m=8 s=27
